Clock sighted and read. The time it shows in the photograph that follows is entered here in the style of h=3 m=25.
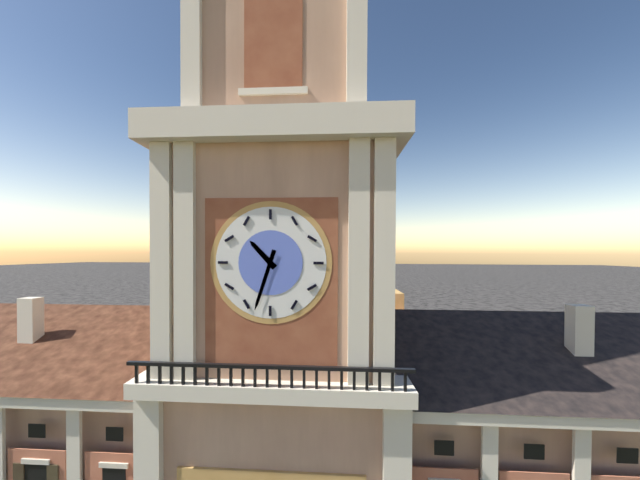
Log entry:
h=10 m=33
